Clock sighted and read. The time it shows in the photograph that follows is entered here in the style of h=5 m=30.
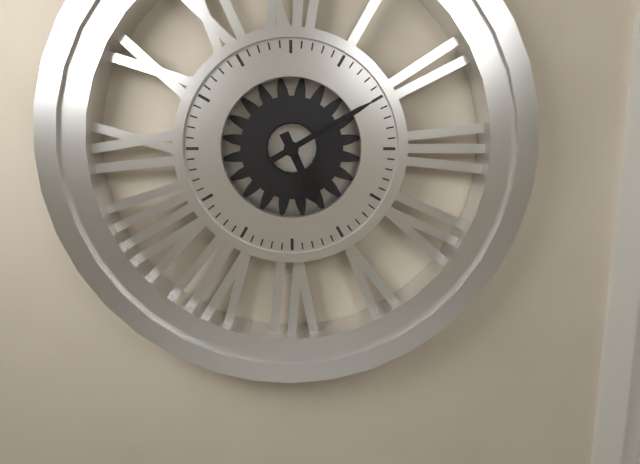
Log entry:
h=5 m=10
